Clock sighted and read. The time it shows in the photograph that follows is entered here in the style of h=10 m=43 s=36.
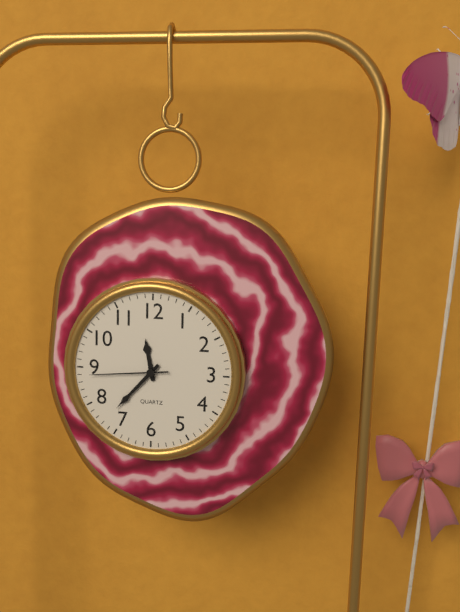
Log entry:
h=11 m=37 s=44
